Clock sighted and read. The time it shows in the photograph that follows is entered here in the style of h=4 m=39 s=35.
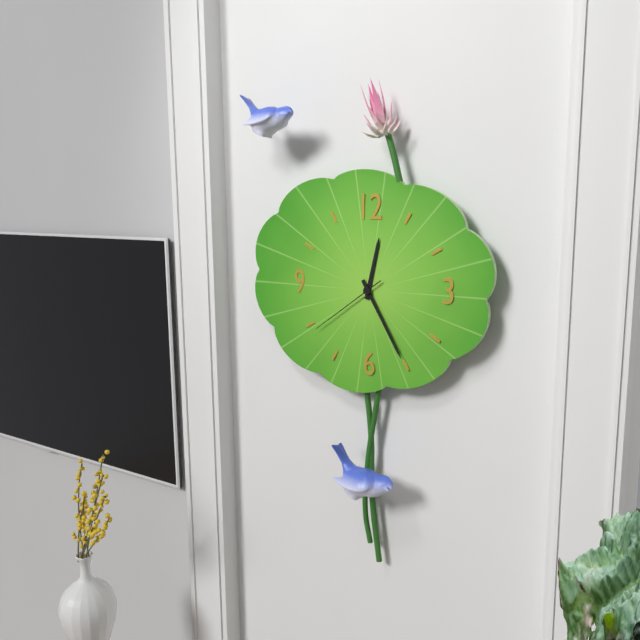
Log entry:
h=12 m=25 s=39
